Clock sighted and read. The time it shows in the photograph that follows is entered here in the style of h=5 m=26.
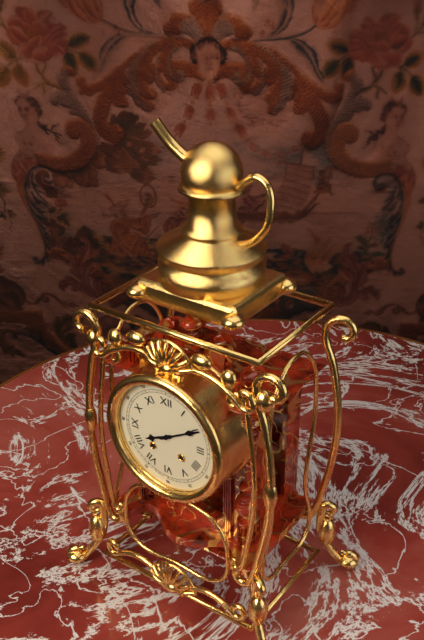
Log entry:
h=8 m=10
